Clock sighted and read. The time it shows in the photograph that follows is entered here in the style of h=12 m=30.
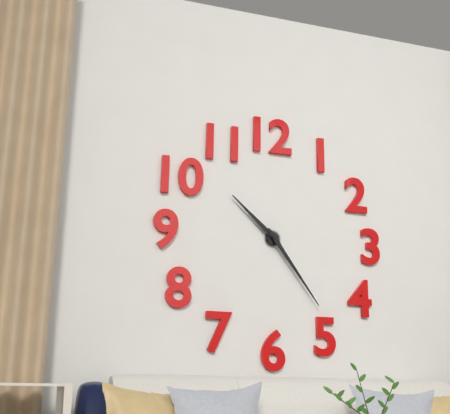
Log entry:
h=10 m=24
